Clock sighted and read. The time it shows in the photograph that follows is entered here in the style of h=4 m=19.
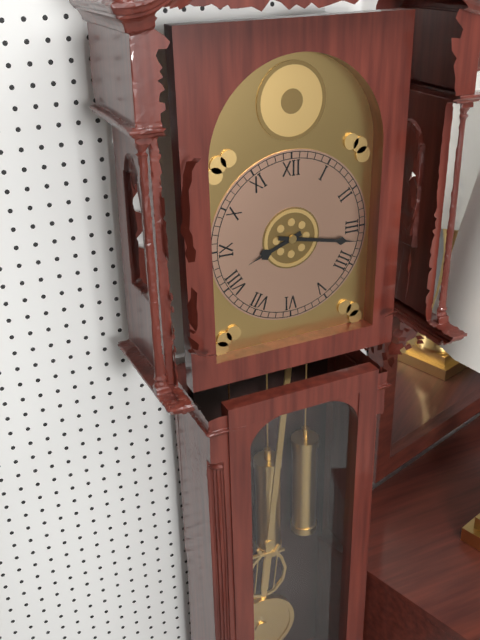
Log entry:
h=8 m=17
